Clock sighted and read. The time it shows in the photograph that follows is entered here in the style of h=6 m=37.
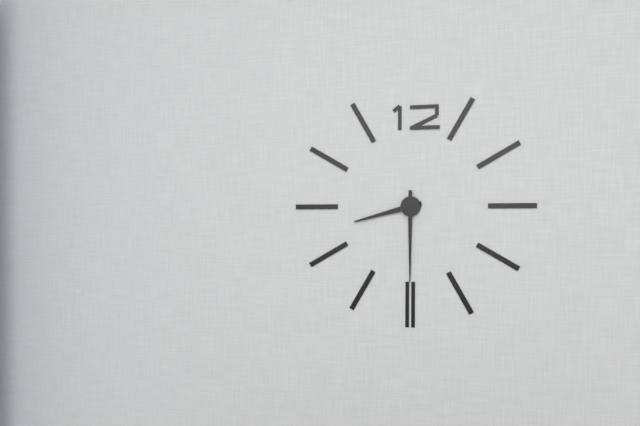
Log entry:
h=8 m=30
